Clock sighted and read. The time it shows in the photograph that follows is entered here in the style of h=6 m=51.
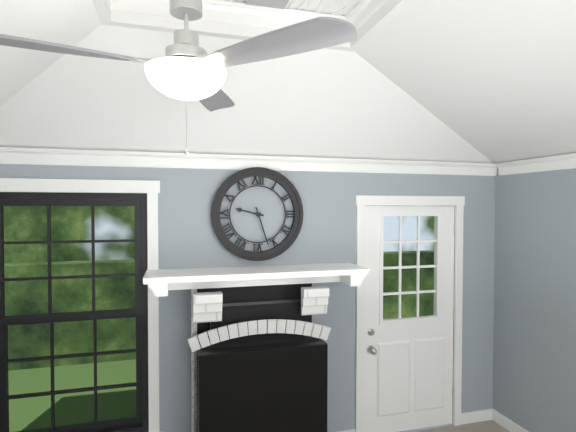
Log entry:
h=9 m=27
